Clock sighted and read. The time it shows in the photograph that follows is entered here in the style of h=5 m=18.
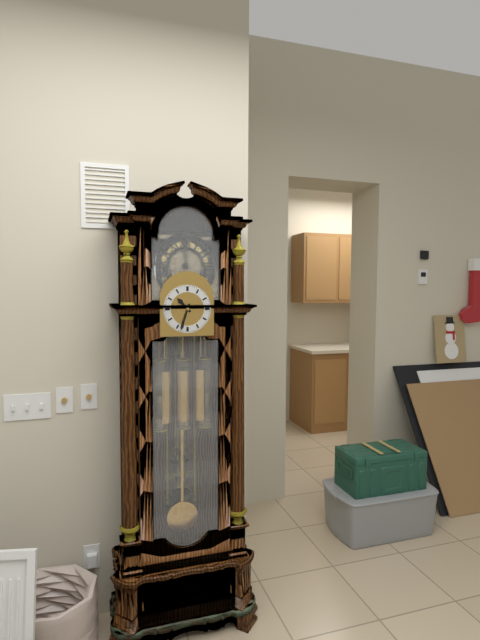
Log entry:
h=10 m=33
